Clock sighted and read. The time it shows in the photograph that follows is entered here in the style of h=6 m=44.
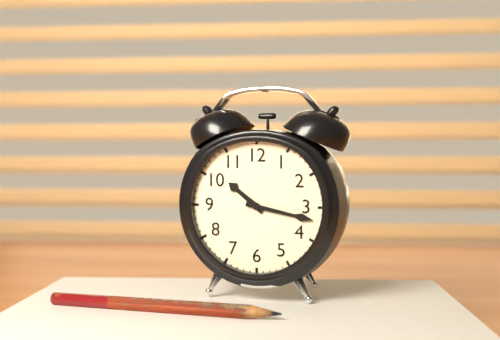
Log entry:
h=10 m=17
